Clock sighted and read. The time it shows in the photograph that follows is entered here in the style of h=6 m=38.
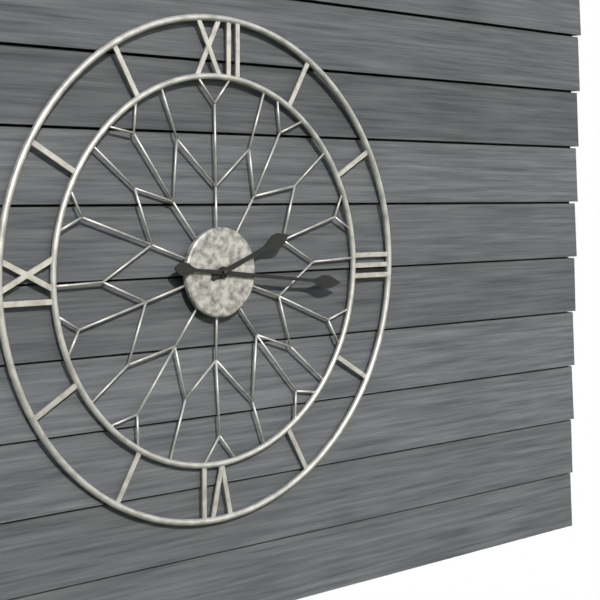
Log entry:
h=2 m=16
